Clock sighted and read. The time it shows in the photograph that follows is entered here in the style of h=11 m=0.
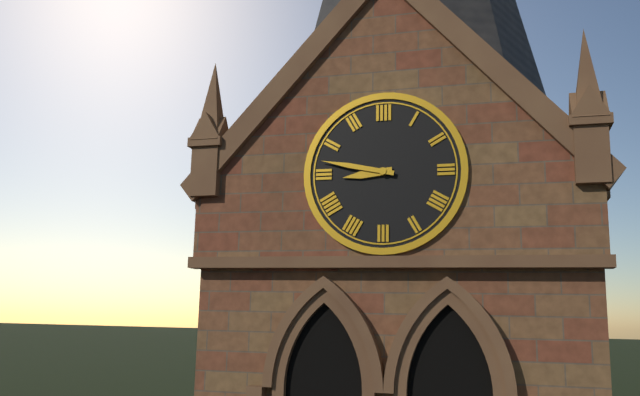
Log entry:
h=8 m=47
